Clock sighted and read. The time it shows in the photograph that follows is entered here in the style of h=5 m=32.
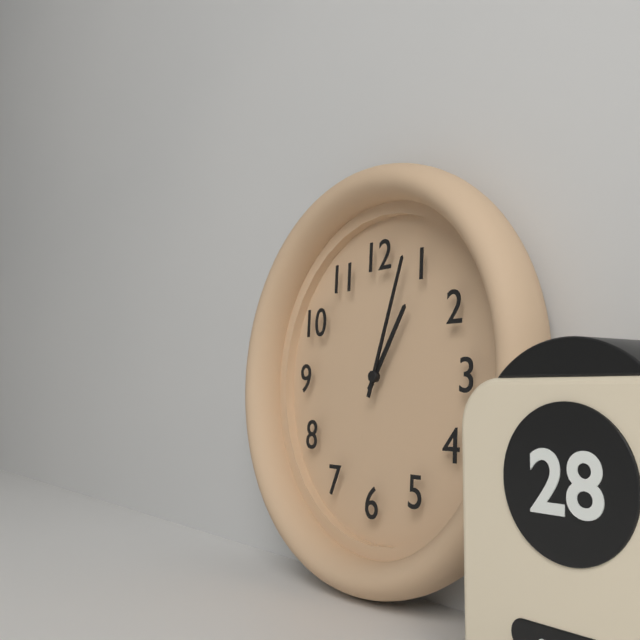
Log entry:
h=1 m=3
